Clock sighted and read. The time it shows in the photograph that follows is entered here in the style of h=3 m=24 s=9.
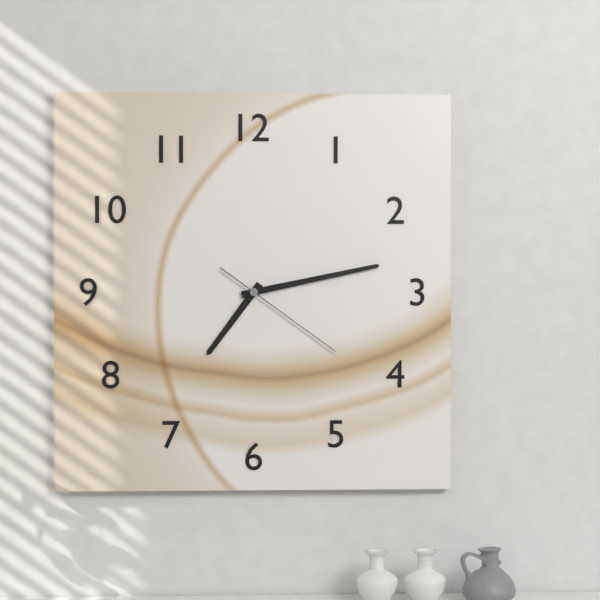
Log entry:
h=7 m=13 s=21
